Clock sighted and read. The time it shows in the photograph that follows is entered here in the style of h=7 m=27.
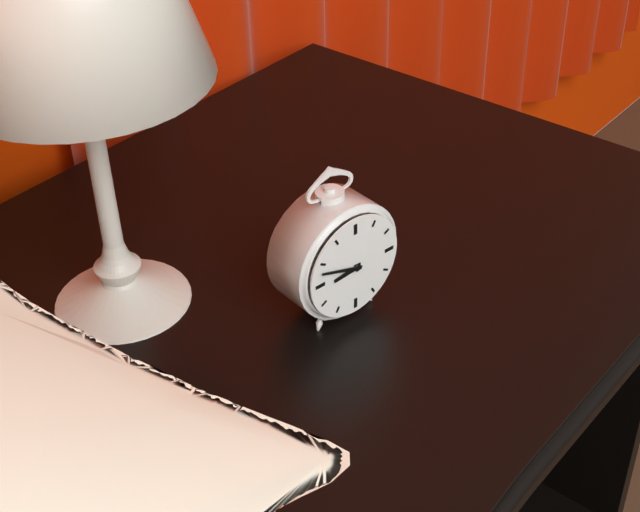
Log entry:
h=8 m=48
